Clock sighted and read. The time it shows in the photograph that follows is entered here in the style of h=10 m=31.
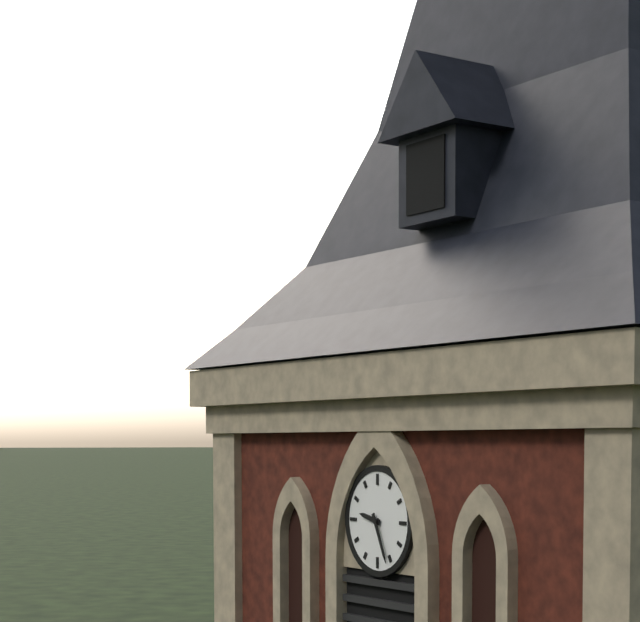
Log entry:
h=9 m=26
